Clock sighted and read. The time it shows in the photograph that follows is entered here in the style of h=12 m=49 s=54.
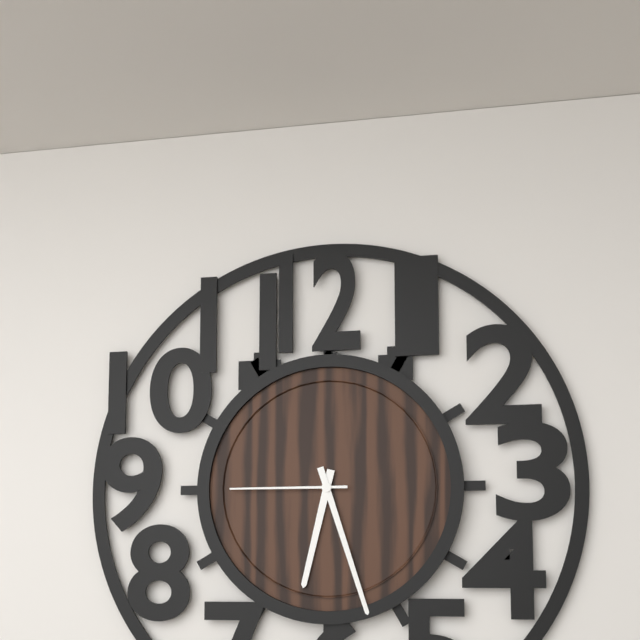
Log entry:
h=6 m=27 s=45
